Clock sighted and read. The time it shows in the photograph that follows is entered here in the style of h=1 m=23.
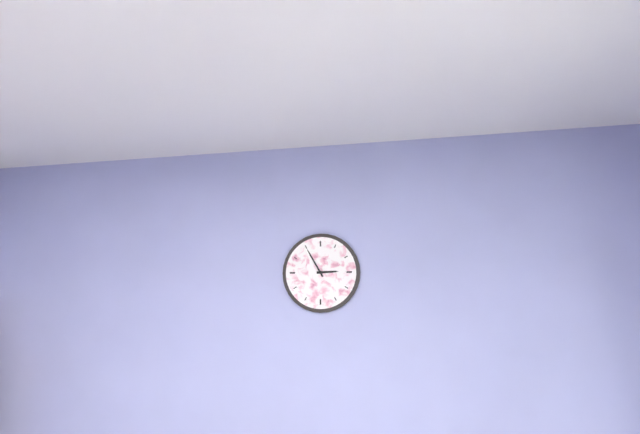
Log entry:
h=2 m=55
